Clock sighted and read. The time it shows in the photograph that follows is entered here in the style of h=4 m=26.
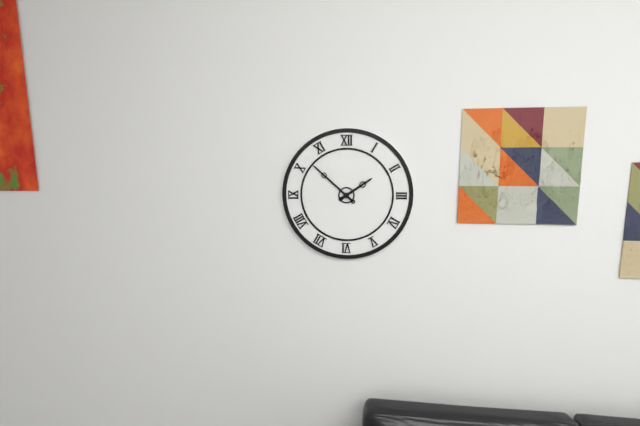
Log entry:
h=1 m=52
